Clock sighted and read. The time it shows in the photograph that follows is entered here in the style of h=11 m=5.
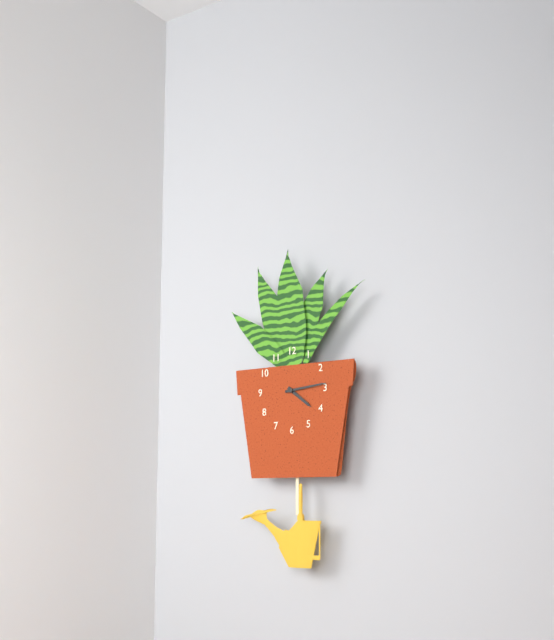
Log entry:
h=4 m=14
